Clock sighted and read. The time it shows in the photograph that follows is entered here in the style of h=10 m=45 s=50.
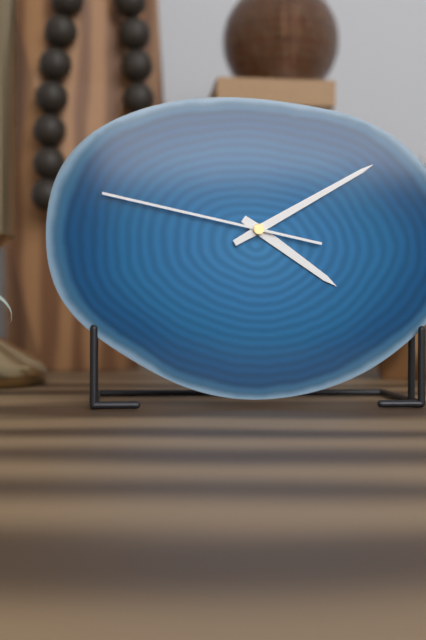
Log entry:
h=4 m=10 s=47
